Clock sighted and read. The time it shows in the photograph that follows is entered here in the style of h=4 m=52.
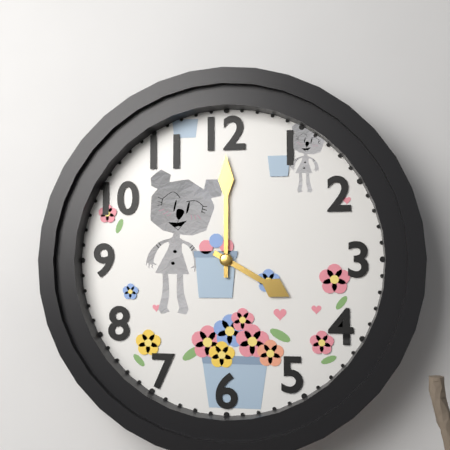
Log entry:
h=4 m=0
